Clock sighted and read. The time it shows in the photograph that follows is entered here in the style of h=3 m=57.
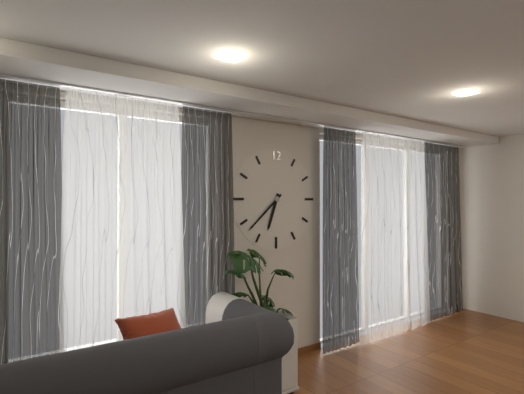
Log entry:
h=6 m=38
